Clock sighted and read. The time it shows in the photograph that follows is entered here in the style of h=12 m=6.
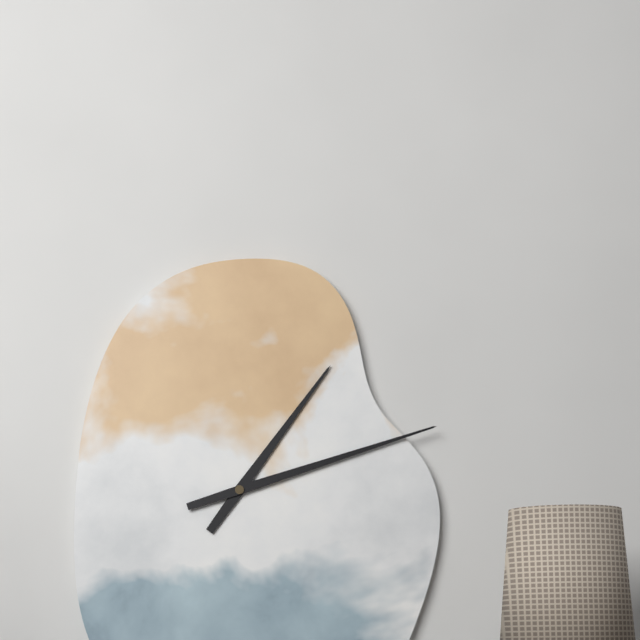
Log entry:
h=1 m=12
